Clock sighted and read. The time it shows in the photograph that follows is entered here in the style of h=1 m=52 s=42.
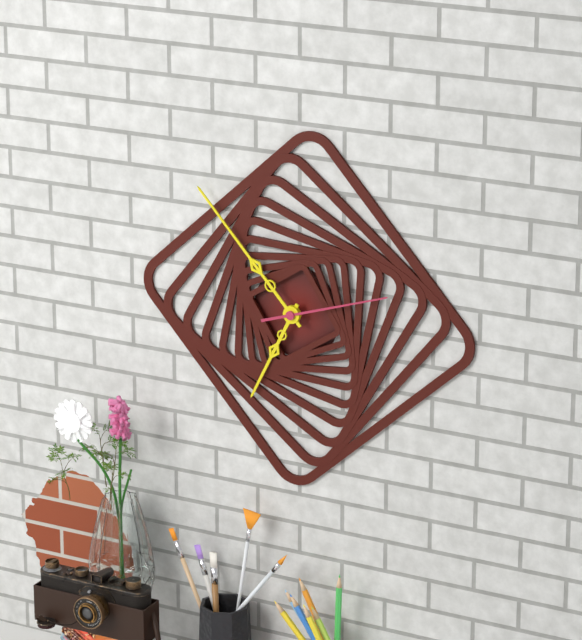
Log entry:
h=6 m=53 s=12
